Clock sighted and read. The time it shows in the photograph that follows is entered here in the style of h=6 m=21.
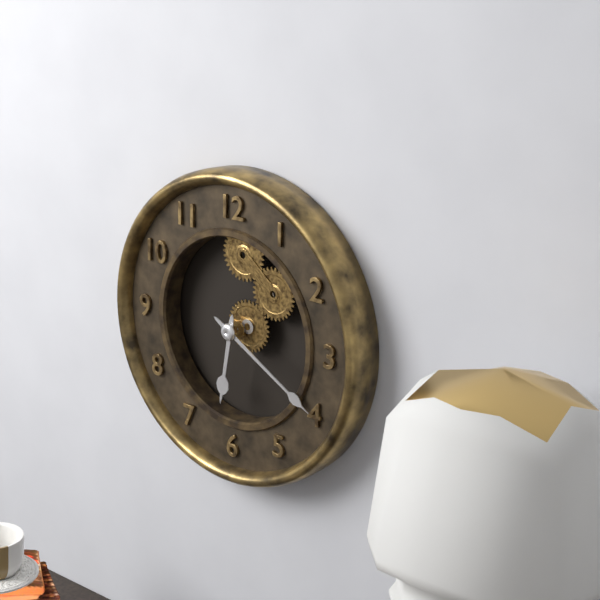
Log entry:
h=6 m=20
